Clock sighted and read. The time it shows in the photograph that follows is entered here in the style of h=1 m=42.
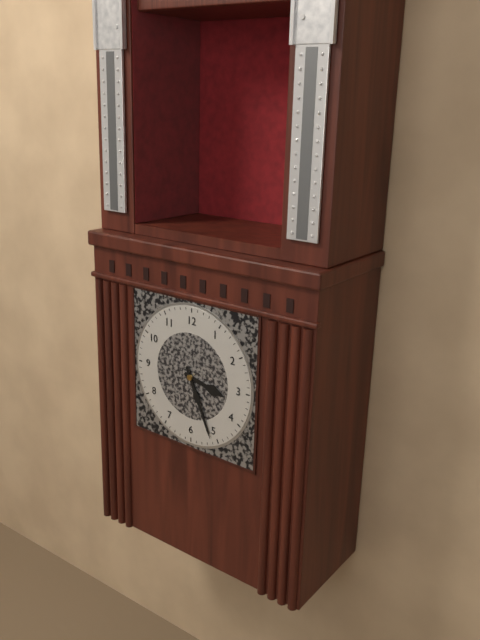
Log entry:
h=3 m=26
